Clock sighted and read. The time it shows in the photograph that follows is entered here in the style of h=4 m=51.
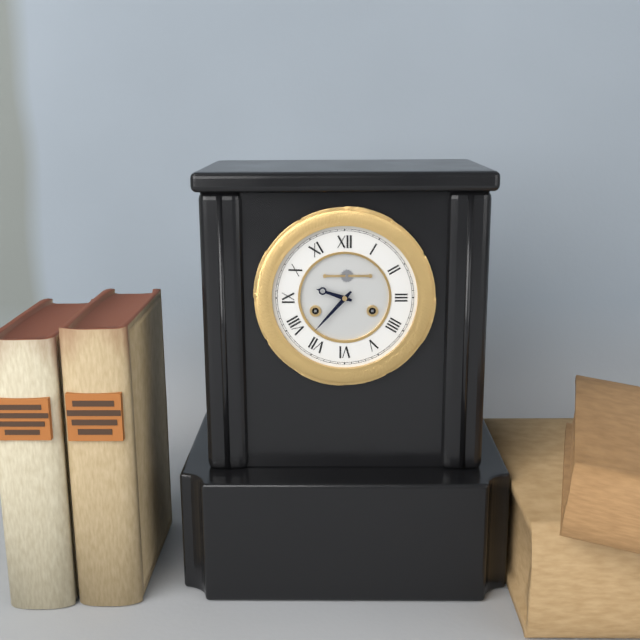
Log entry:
h=9 m=37
